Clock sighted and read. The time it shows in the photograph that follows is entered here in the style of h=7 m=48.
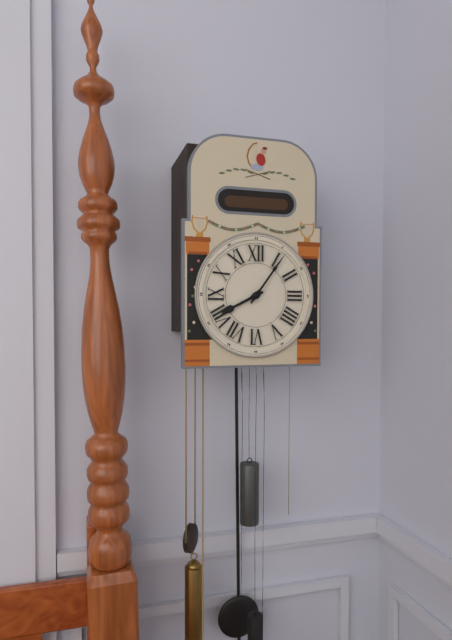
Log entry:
h=8 m=6
